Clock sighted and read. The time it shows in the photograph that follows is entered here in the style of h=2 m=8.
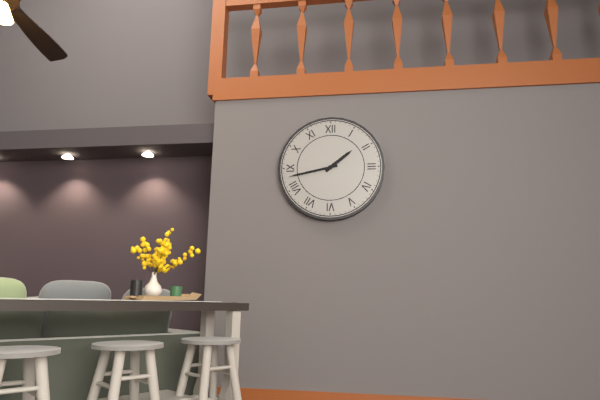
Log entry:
h=1 m=43
